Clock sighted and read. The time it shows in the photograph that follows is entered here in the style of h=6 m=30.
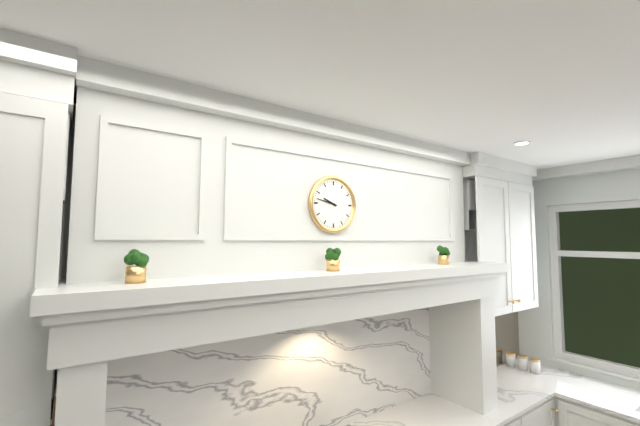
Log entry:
h=9 m=47
